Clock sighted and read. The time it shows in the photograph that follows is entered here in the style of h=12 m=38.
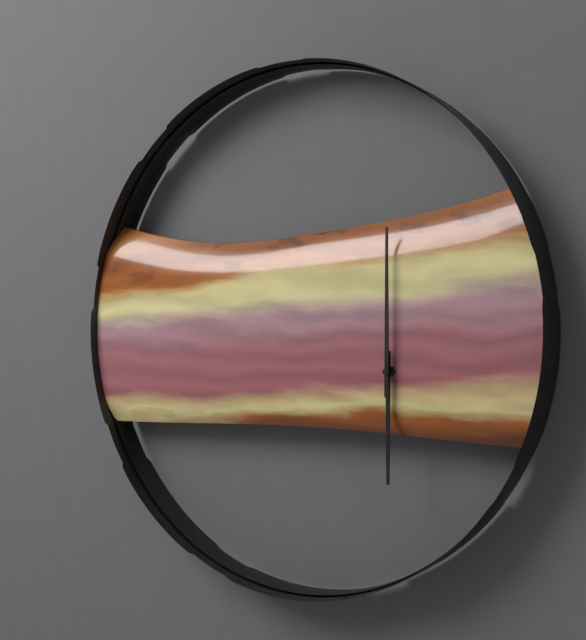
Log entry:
h=6 m=0
